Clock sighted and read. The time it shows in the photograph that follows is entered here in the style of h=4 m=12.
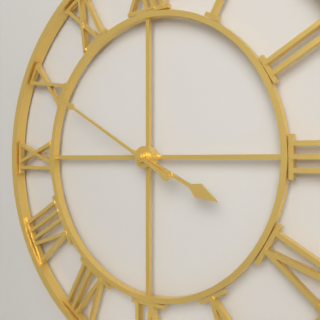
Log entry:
h=3 m=50
